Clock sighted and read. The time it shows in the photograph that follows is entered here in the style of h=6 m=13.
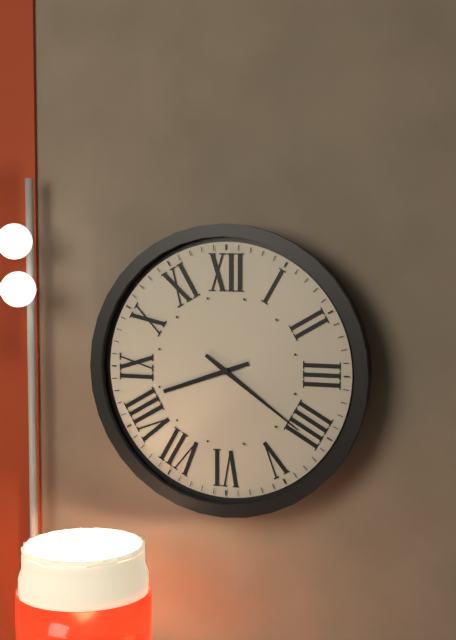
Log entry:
h=8 m=21
